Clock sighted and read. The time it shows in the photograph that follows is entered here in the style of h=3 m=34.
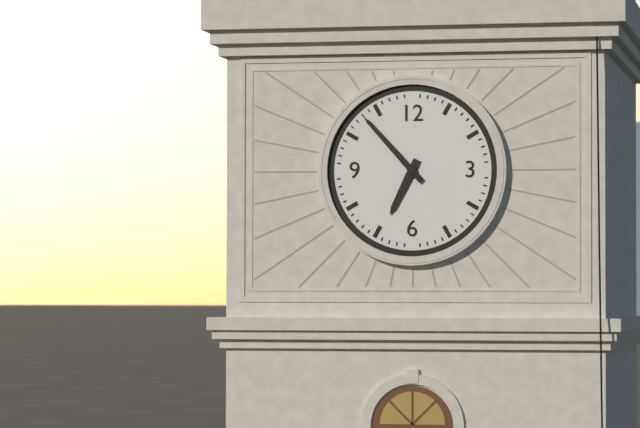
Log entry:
h=6 m=53
